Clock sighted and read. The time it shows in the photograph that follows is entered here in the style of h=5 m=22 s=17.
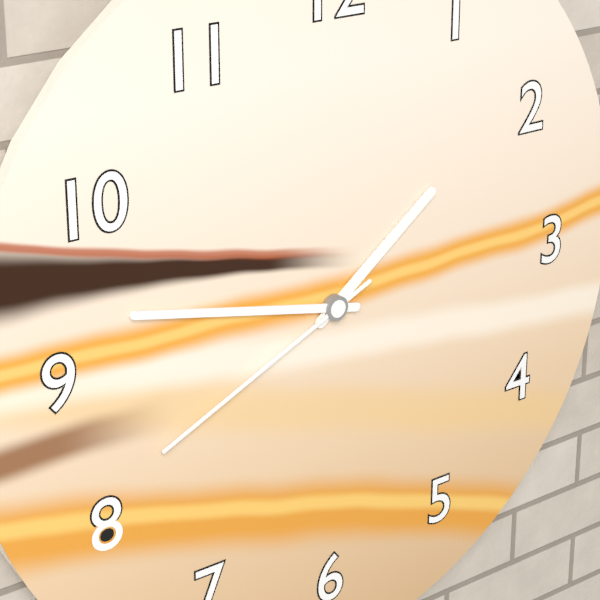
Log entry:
h=1 m=47 s=41
